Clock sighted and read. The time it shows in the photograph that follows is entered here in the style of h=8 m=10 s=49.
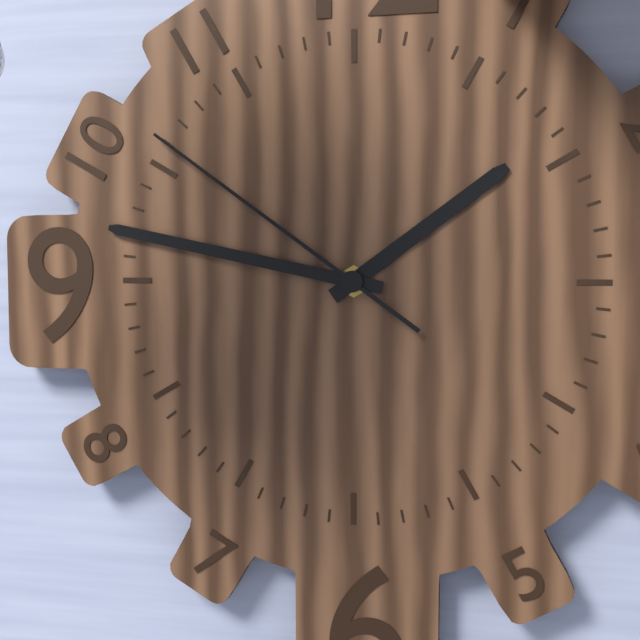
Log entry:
h=1 m=47 s=51
